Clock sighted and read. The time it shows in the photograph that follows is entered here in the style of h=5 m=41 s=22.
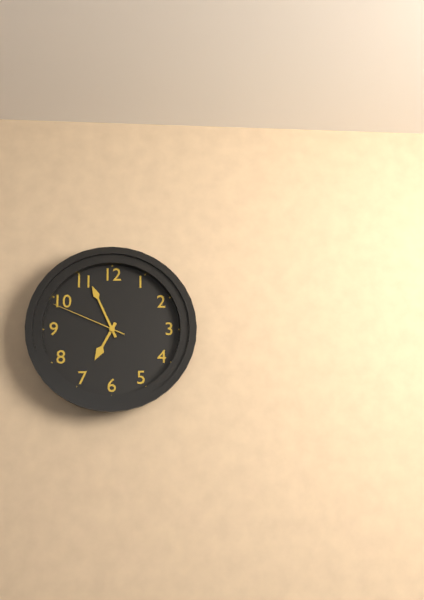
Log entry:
h=6 m=56 s=49
